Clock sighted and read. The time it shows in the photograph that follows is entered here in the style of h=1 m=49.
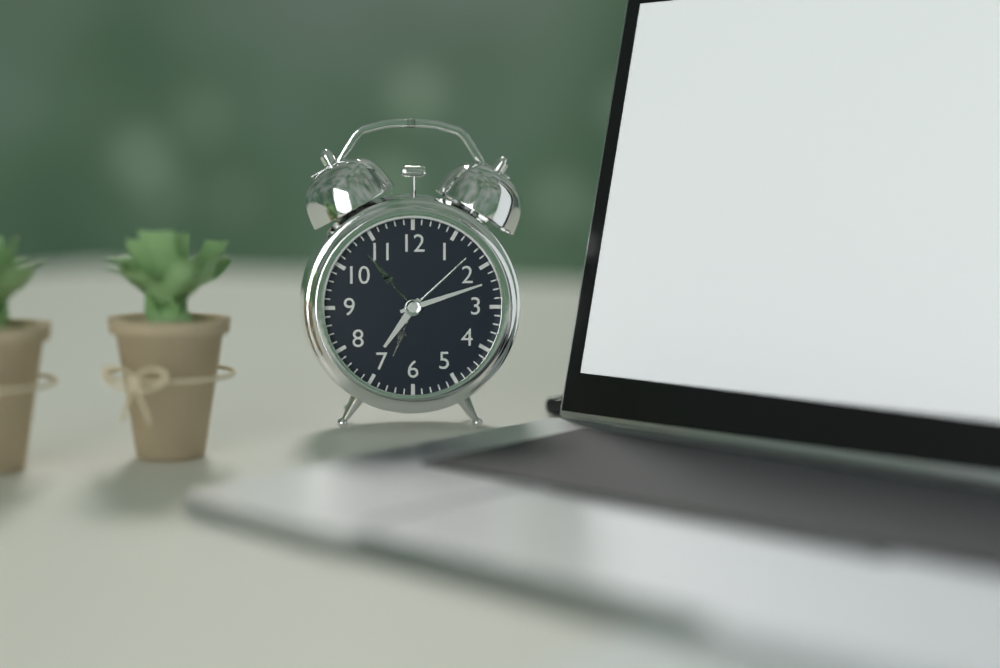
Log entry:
h=7 m=12
